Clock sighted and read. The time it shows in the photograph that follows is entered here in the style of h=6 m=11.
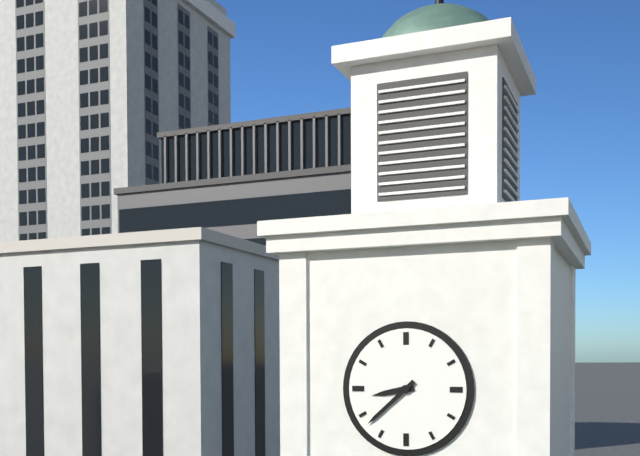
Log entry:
h=8 m=38
